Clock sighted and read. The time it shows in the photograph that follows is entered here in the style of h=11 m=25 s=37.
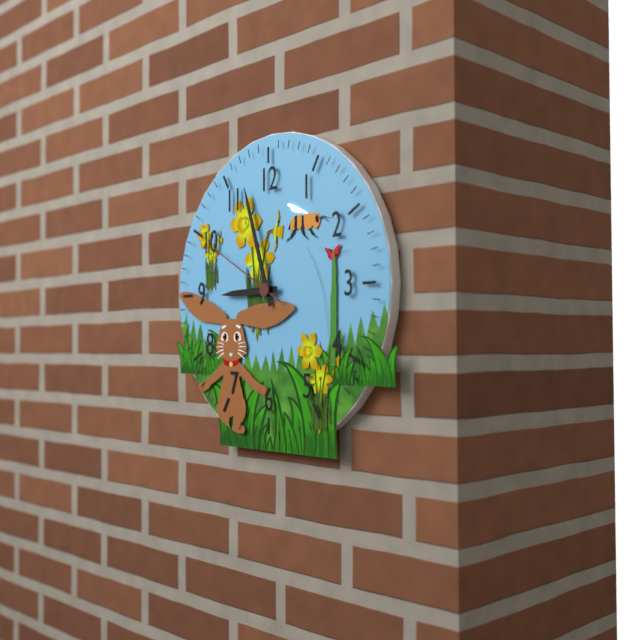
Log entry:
h=8 m=57 s=50
